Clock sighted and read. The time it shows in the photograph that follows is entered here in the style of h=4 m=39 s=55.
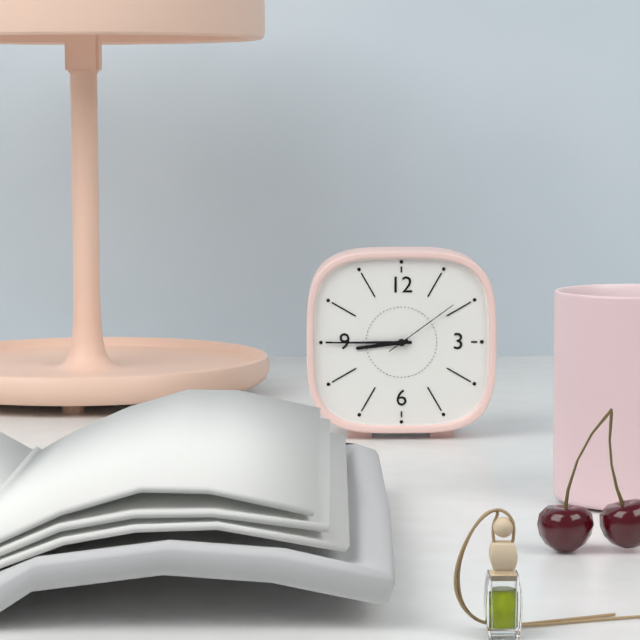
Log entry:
h=8 m=45 s=9
